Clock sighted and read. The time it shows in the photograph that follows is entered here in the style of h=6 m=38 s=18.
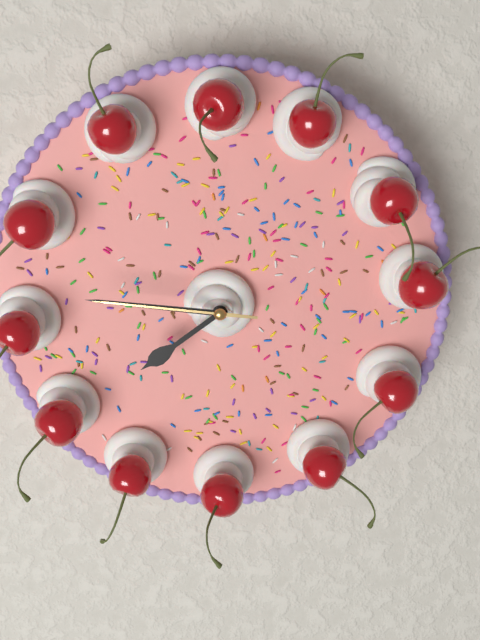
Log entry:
h=7 m=46 s=46
